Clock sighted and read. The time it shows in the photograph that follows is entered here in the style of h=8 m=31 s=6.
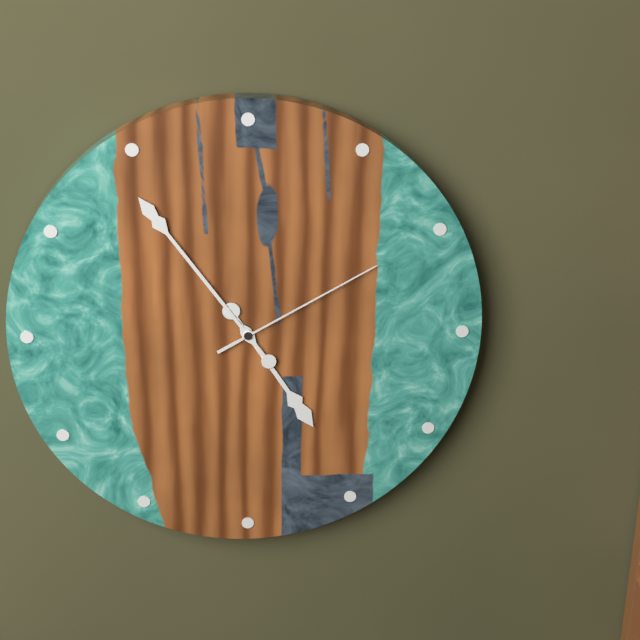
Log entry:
h=4 m=54 s=10
